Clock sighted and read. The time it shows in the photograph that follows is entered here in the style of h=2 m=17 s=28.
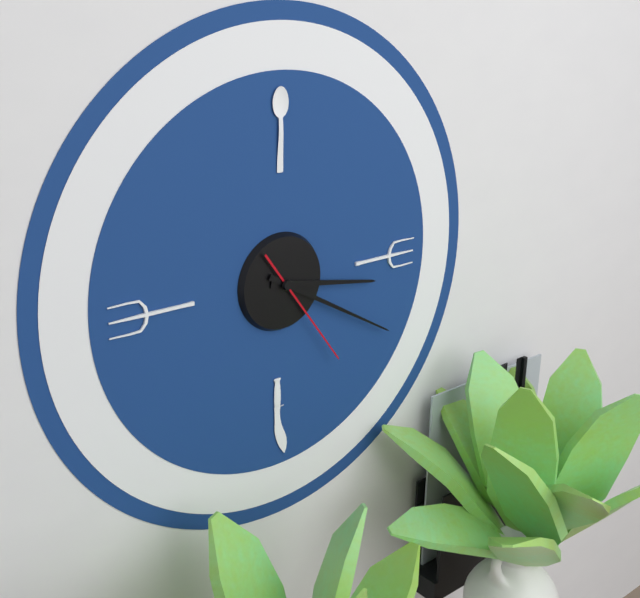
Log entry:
h=3 m=20 s=24
